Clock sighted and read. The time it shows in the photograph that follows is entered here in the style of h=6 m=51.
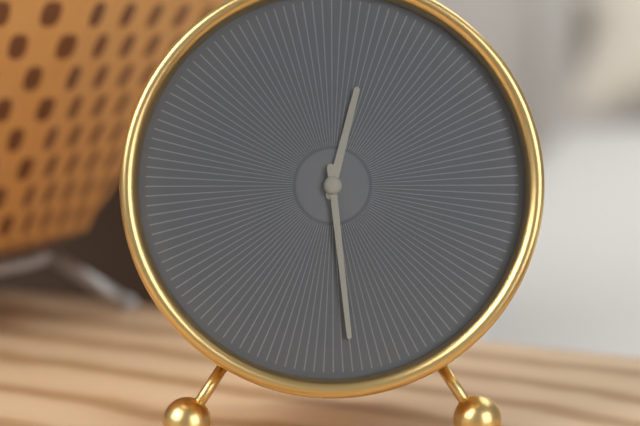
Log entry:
h=12 m=29
